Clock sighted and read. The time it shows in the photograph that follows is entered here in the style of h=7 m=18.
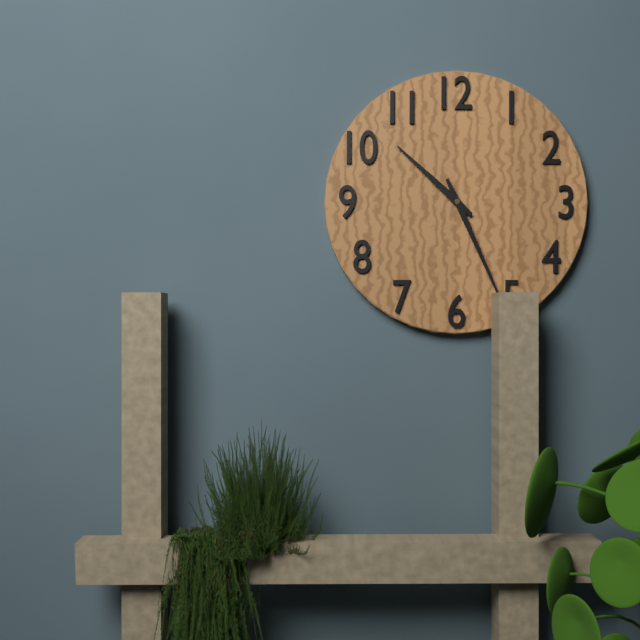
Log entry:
h=10 m=26
